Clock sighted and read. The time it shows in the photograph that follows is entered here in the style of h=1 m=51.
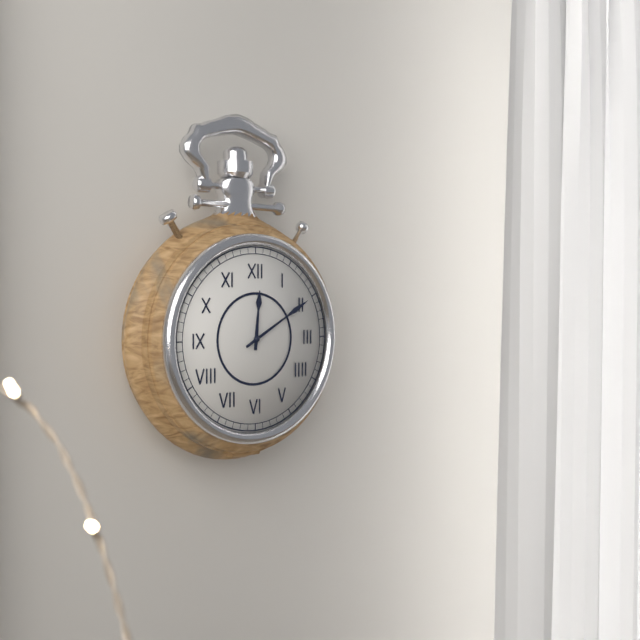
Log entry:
h=12 m=10
